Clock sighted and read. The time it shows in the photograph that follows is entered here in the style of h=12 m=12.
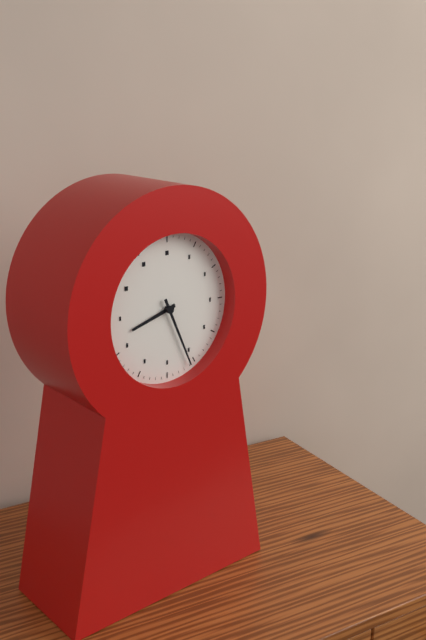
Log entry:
h=8 m=26
